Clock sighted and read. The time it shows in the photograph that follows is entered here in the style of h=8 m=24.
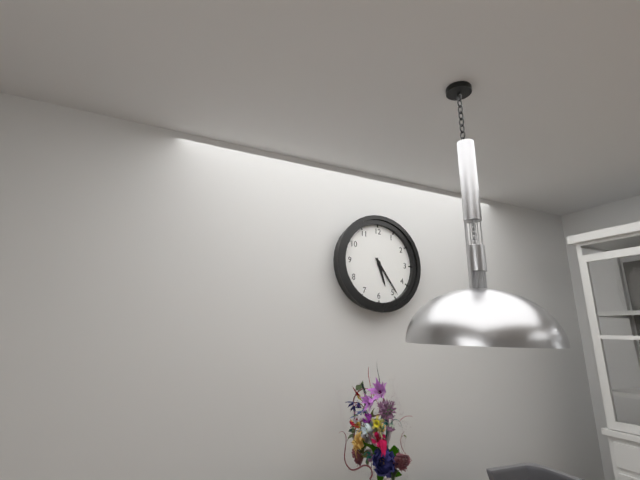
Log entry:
h=5 m=24
